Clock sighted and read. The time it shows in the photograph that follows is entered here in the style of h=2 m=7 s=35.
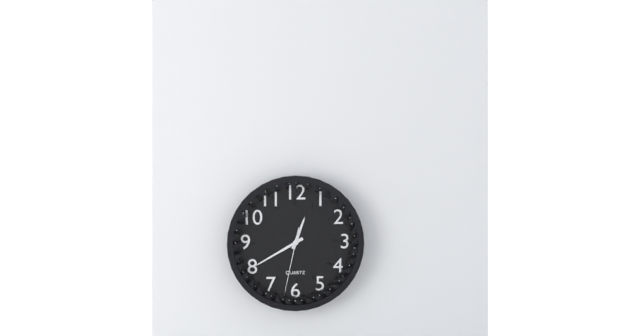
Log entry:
h=12 m=40 s=32
